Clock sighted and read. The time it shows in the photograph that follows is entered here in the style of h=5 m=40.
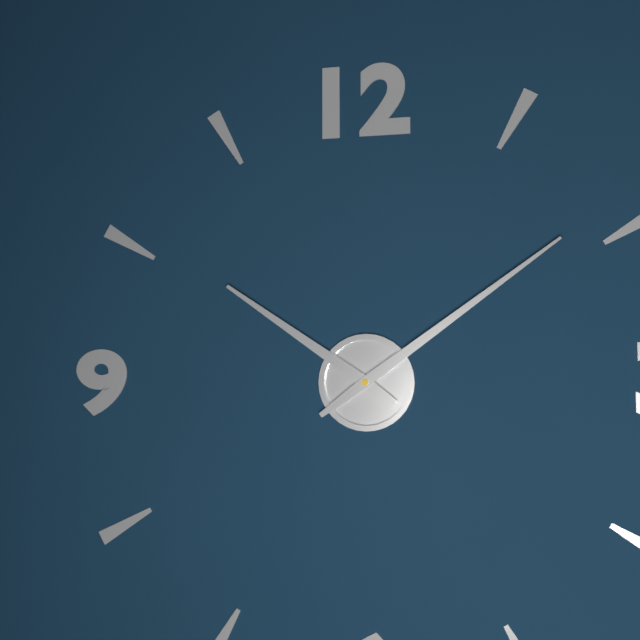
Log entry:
h=10 m=9
